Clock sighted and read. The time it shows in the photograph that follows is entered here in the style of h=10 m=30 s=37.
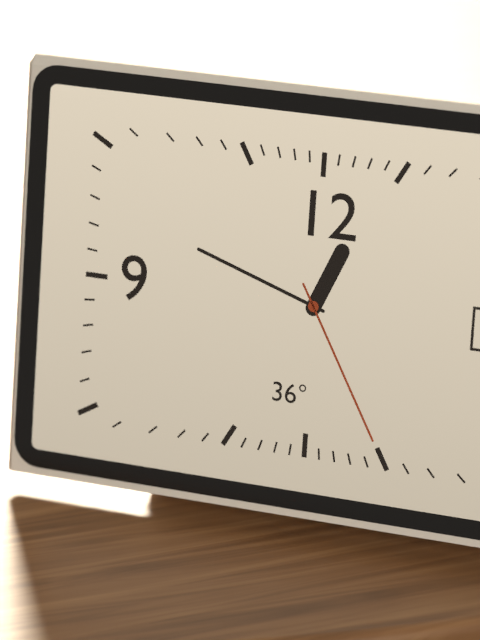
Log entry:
h=12 m=48 s=25
